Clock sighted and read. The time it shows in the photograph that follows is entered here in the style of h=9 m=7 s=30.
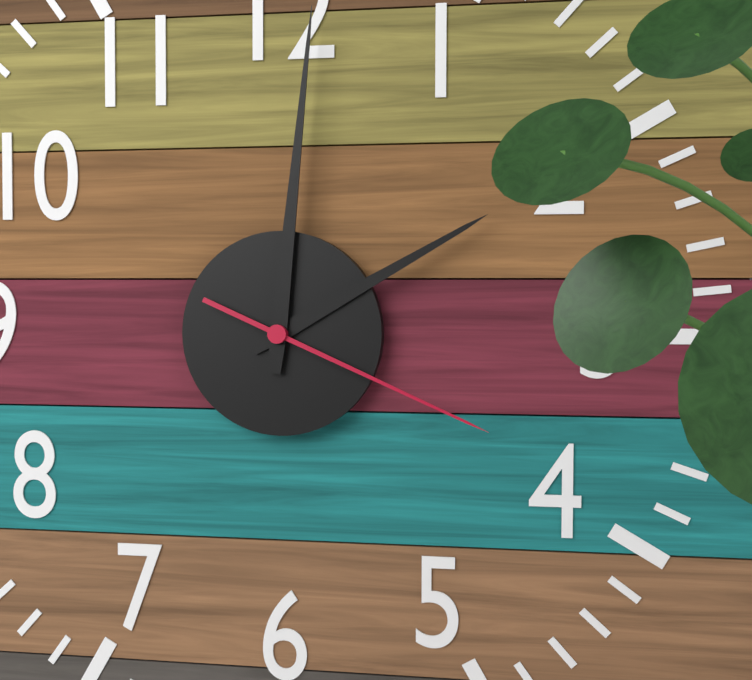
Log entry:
h=2 m=1 s=19
